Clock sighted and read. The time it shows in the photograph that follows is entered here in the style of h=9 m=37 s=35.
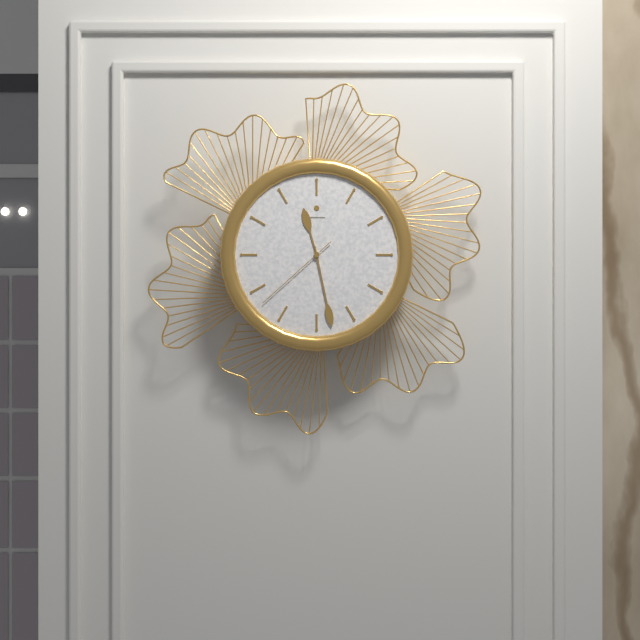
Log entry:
h=11 m=28 s=38
